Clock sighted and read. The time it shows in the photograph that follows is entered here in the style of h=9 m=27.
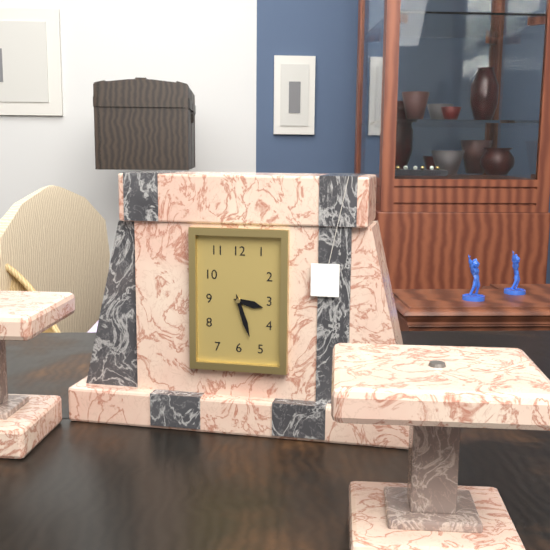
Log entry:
h=3 m=27
